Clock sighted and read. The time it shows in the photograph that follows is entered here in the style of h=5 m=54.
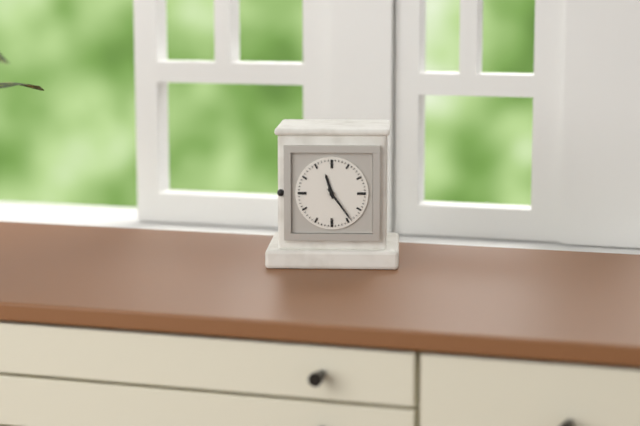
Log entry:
h=11 m=24
